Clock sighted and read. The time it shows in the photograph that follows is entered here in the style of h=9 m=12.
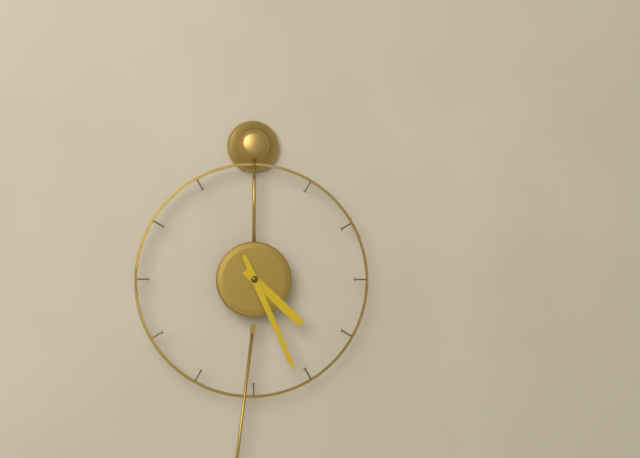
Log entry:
h=4 m=26
